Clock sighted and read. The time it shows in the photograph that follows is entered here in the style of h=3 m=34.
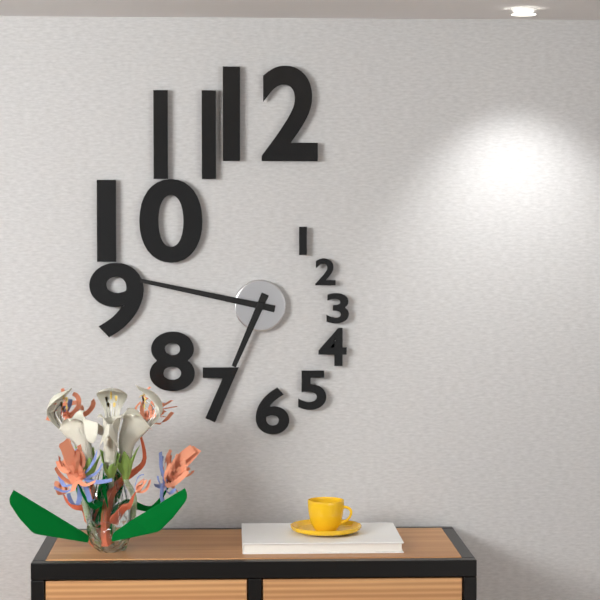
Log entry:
h=6 m=47
